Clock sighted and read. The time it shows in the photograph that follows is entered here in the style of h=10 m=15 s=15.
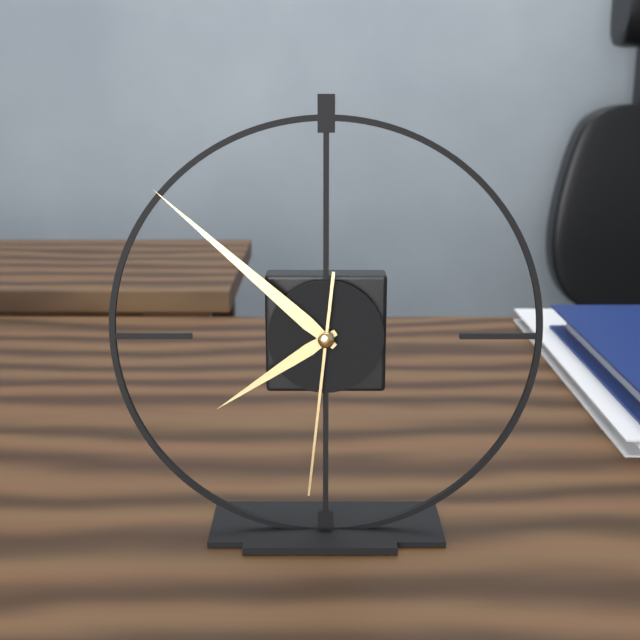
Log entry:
h=7 m=52 s=31
